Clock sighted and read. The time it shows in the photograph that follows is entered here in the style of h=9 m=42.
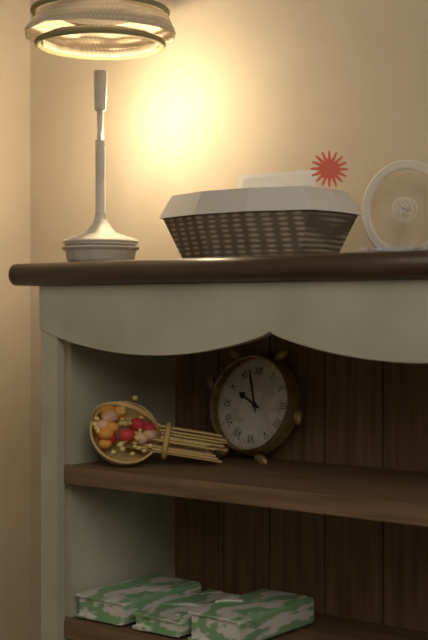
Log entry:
h=9 m=57
